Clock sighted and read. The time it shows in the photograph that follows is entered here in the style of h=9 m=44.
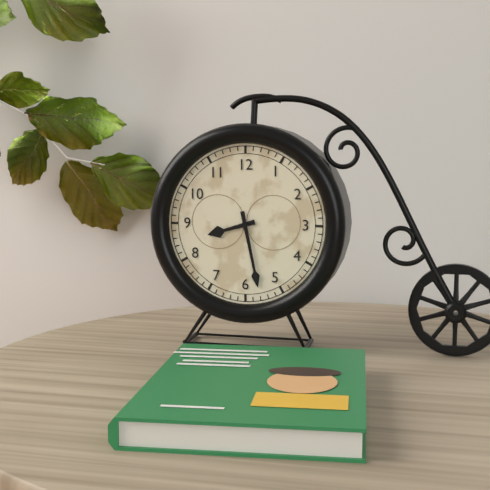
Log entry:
h=8 m=28
